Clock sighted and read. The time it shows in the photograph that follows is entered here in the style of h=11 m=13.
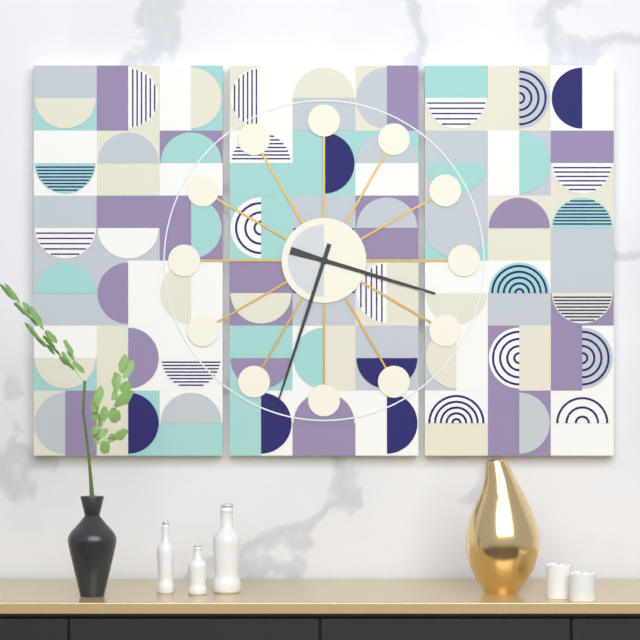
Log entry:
h=3 m=33
